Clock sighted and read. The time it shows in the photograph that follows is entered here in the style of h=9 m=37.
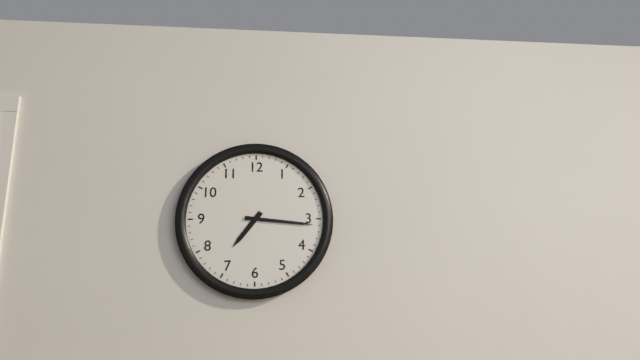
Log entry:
h=7 m=16
